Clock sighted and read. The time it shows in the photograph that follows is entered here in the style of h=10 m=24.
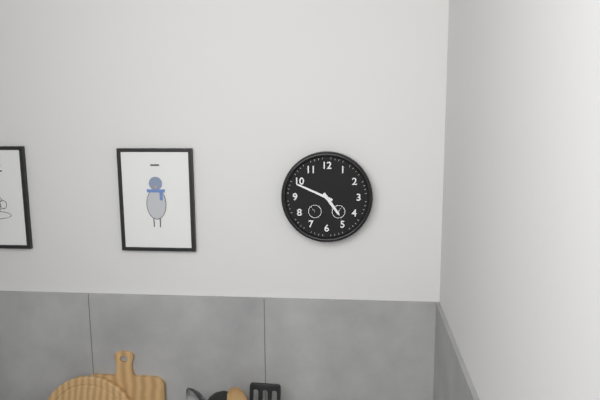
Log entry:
h=4 m=49
